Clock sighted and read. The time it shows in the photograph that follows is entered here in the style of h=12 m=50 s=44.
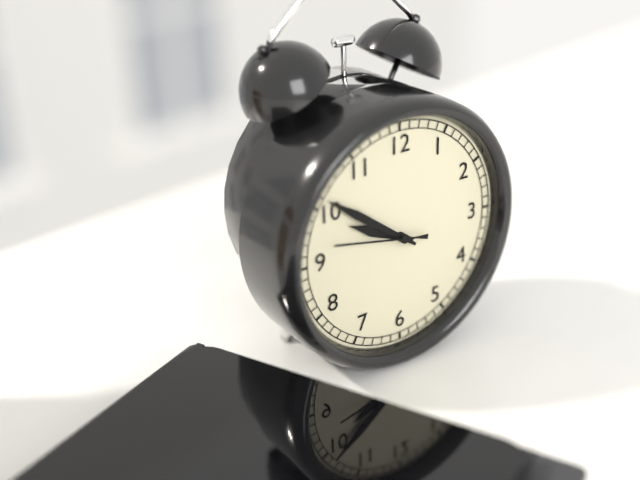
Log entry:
h=9 m=51 s=47
